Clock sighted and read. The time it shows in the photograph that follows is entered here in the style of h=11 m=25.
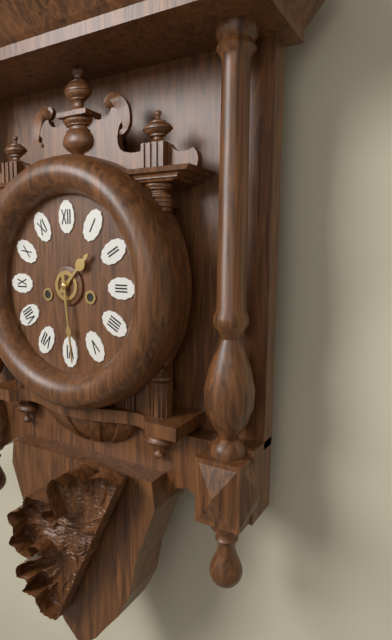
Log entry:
h=1 m=29
